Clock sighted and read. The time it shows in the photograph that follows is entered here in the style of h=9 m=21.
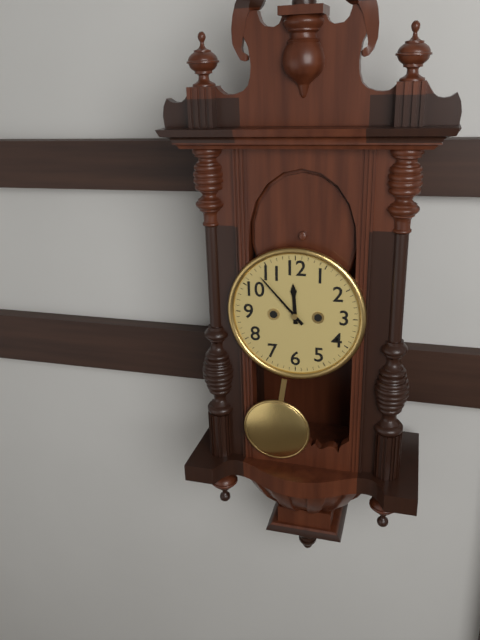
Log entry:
h=11 m=53
